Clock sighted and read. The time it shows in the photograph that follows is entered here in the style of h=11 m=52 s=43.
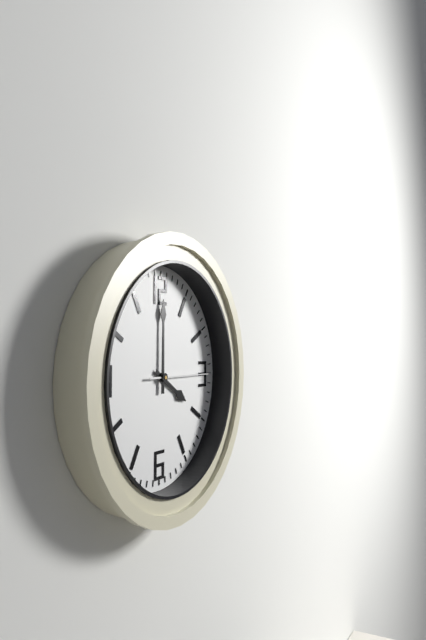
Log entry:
h=4 m=0 s=15
